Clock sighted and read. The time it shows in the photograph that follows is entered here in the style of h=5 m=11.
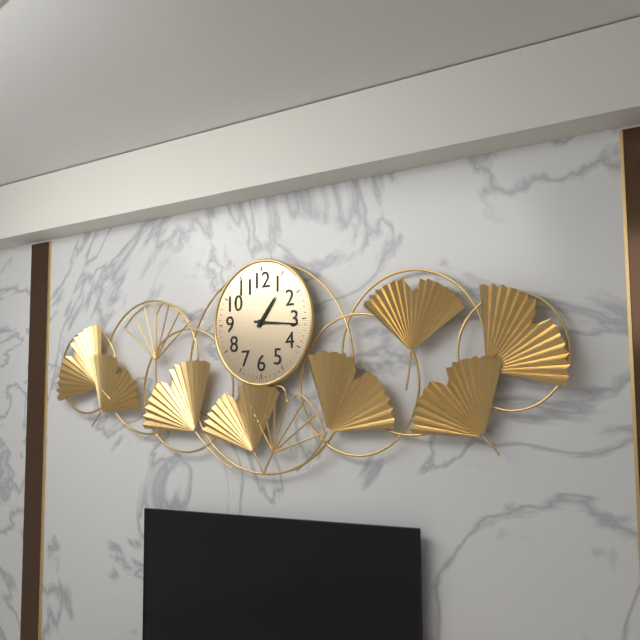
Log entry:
h=1 m=16
